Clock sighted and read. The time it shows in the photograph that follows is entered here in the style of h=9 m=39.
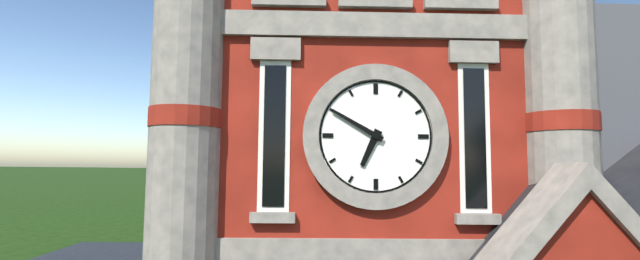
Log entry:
h=6 m=50
